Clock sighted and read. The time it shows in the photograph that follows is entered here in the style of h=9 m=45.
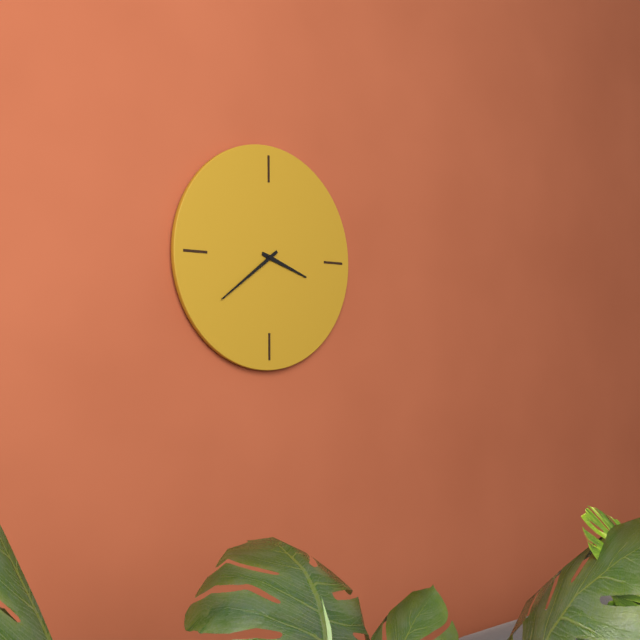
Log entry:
h=3 m=39
